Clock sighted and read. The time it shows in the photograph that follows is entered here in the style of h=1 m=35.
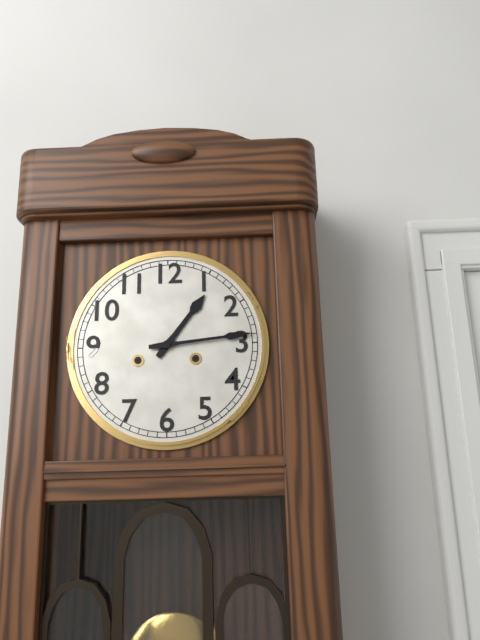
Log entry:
h=1 m=14
